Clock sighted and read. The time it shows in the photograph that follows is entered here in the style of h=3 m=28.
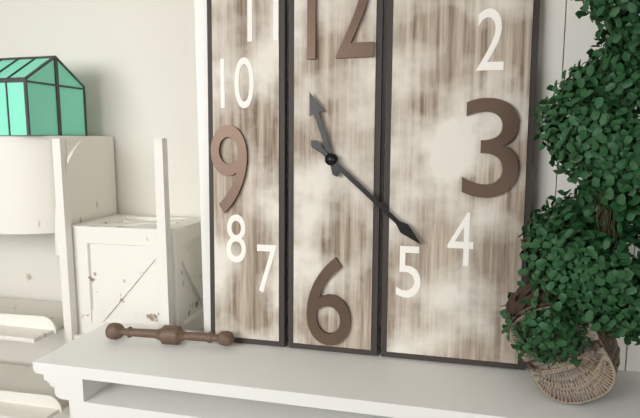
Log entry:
h=11 m=22
